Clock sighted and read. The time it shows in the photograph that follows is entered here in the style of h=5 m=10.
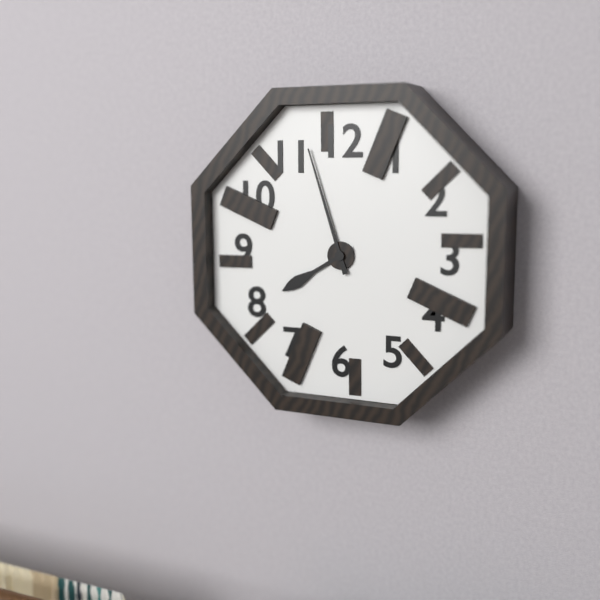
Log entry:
h=7 m=57
